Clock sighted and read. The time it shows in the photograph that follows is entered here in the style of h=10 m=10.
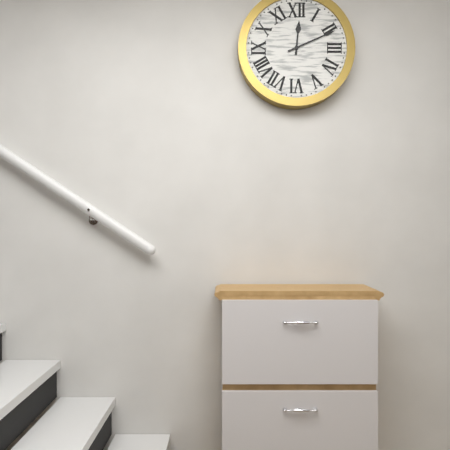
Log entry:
h=12 m=11
